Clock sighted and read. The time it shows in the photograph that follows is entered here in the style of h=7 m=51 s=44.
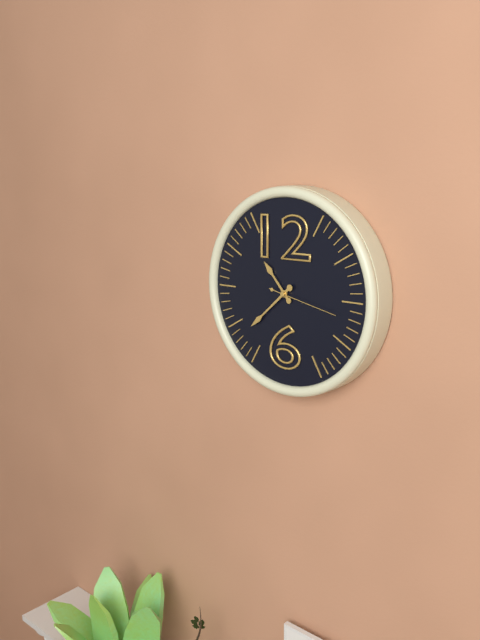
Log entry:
h=10 m=38 s=17
